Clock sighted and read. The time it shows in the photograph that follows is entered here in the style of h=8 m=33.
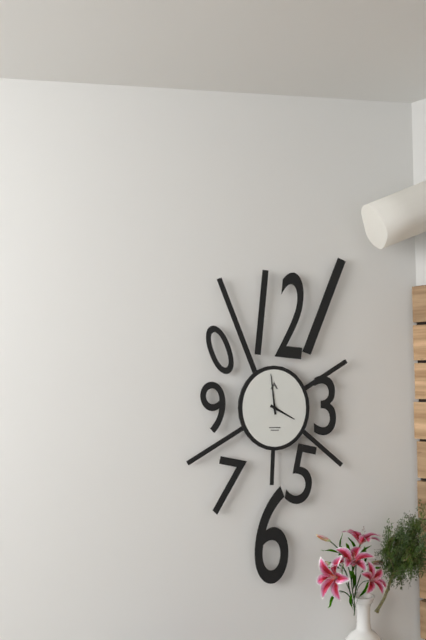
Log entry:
h=3 m=59
